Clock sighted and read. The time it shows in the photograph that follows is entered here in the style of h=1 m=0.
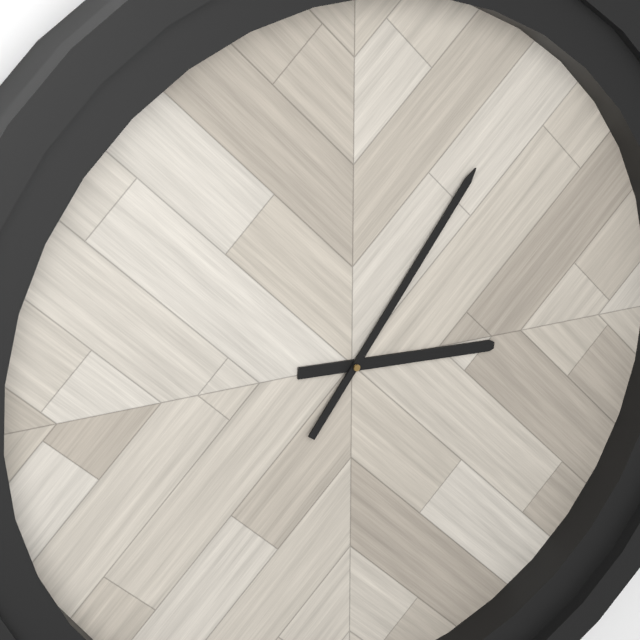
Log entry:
h=3 m=6
